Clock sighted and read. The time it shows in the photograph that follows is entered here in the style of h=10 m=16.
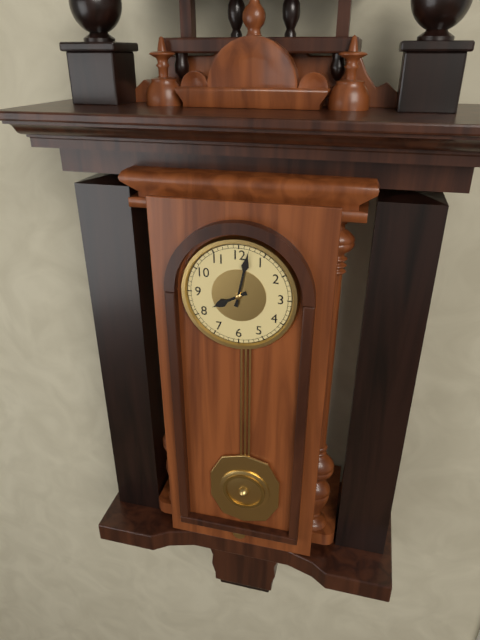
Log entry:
h=8 m=2
